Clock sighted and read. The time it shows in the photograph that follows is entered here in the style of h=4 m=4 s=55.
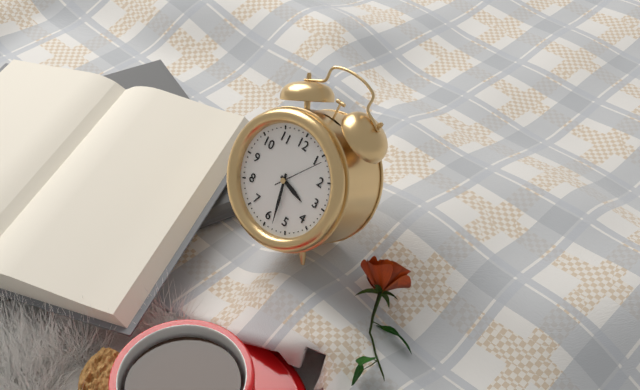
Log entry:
h=3 m=28 s=6
